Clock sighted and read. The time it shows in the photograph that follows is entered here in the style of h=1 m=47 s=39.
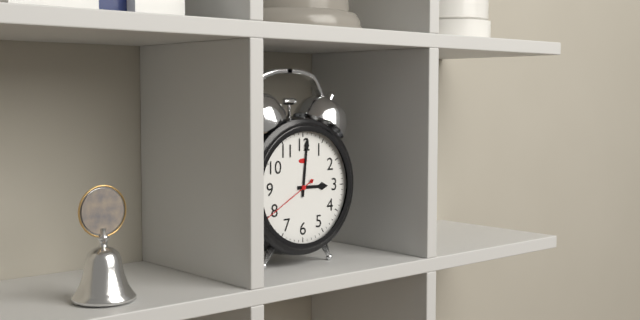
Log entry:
h=3 m=1 s=40
